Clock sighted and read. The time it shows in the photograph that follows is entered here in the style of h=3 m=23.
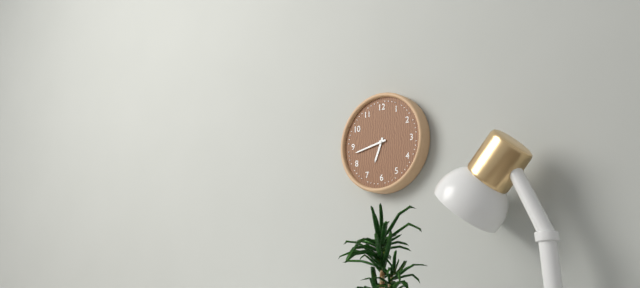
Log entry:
h=6 m=43
